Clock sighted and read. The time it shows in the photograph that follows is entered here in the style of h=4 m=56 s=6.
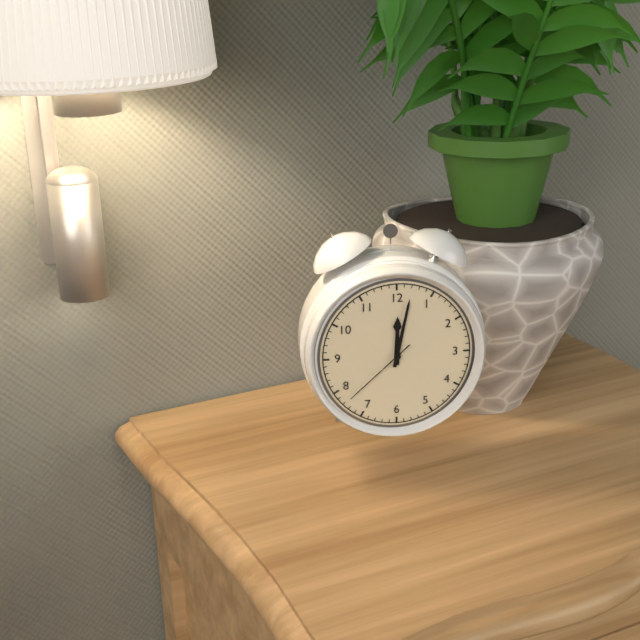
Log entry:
h=12 m=2 s=38
